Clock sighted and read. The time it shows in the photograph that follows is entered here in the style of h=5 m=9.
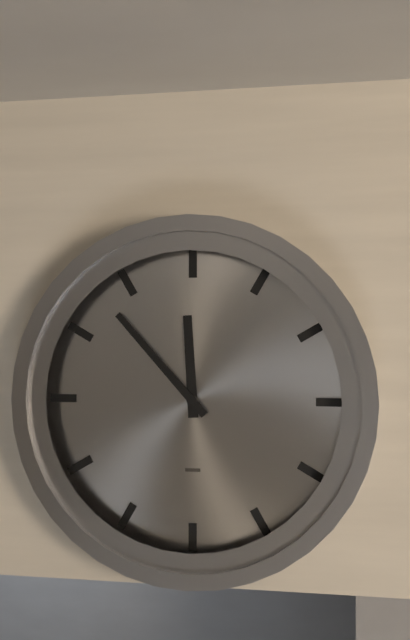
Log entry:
h=11 m=53
